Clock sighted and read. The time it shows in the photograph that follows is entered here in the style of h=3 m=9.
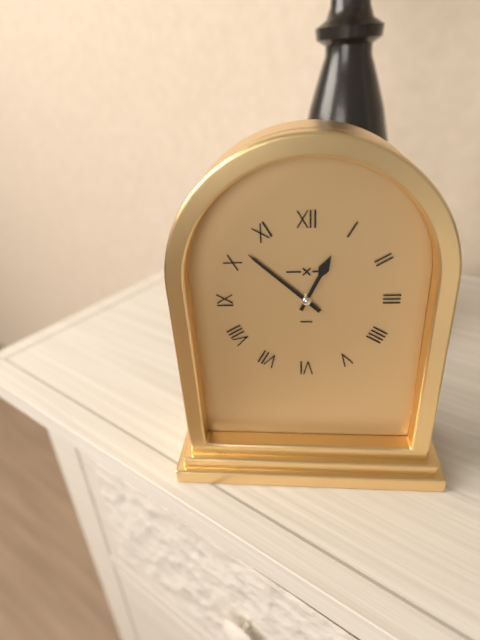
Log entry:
h=12 m=52
